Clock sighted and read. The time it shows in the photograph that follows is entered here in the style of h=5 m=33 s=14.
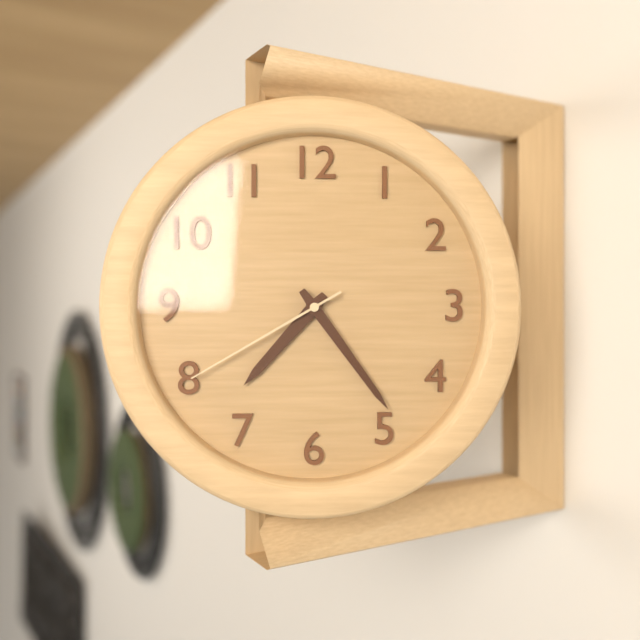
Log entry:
h=7 m=24 s=40
